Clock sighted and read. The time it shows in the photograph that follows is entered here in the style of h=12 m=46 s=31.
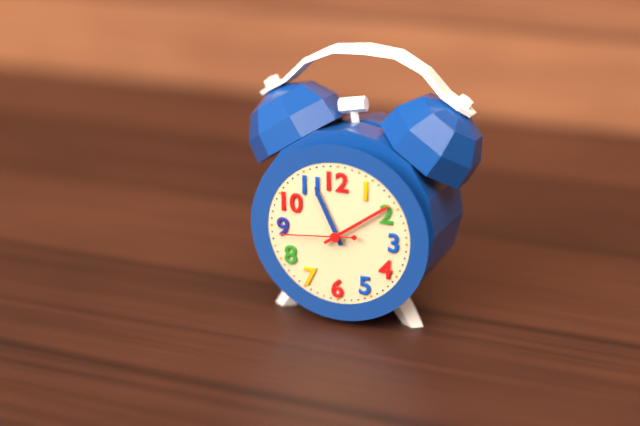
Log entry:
h=11 m=9 s=44
